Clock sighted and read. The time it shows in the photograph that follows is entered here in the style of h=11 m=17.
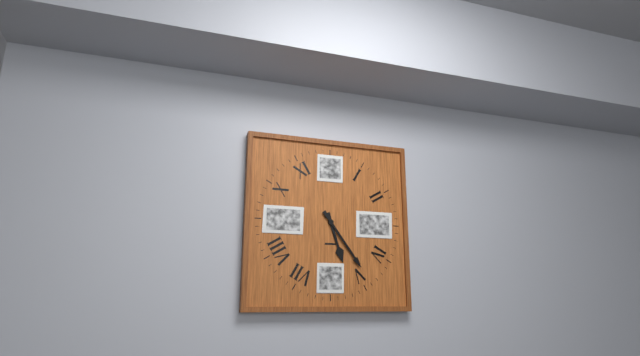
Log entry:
h=5 m=24
